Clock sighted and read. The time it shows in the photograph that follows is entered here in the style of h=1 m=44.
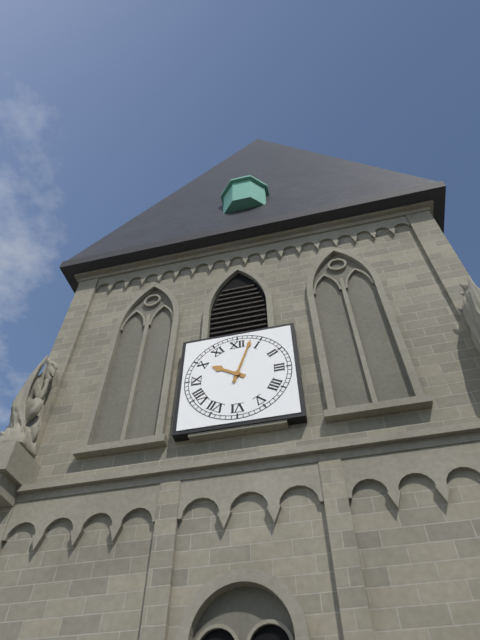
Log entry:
h=10 m=3
